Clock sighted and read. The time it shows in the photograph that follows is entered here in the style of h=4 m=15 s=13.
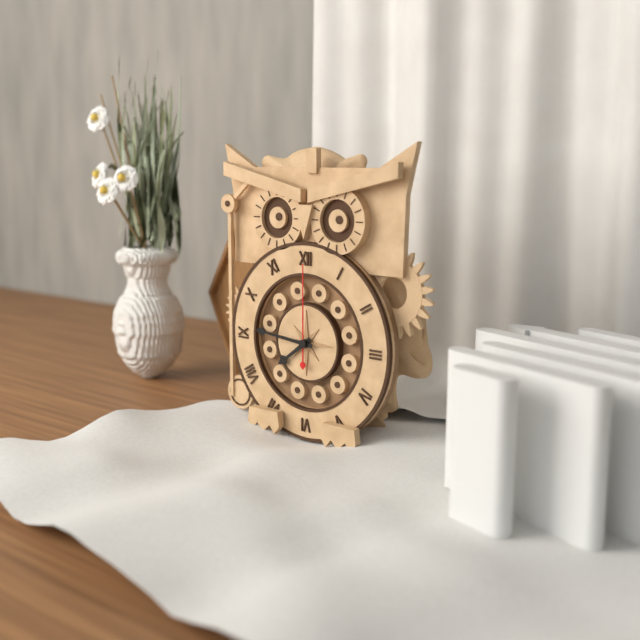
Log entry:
h=7 m=46 s=0
